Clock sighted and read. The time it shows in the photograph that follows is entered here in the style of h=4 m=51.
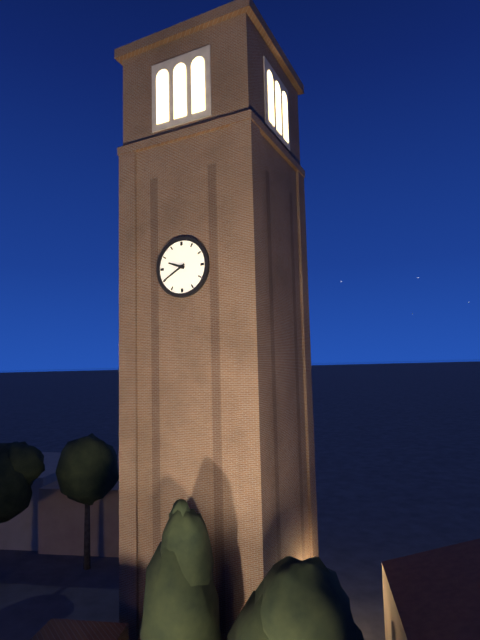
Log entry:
h=9 m=40
